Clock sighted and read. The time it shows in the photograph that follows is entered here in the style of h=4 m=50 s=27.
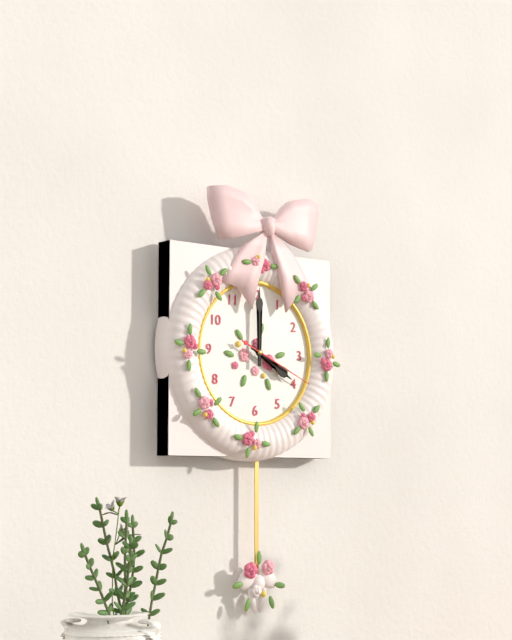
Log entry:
h=4 m=0 s=19
